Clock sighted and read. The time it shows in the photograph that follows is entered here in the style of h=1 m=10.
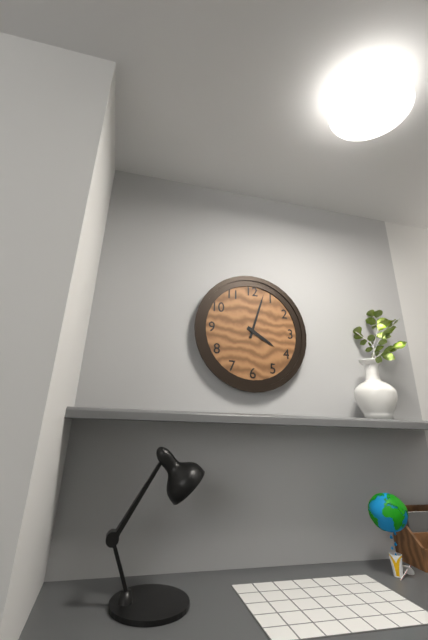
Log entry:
h=4 m=3
